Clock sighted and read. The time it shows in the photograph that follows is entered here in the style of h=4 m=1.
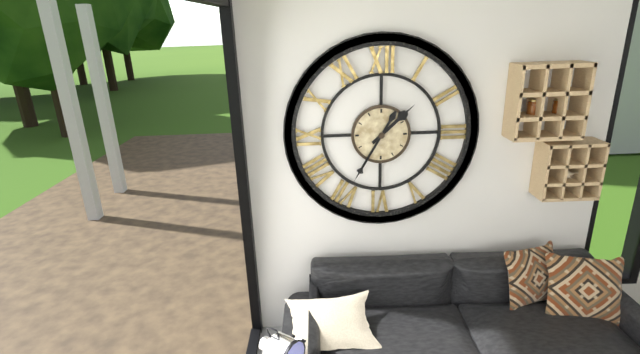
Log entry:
h=1 m=35
